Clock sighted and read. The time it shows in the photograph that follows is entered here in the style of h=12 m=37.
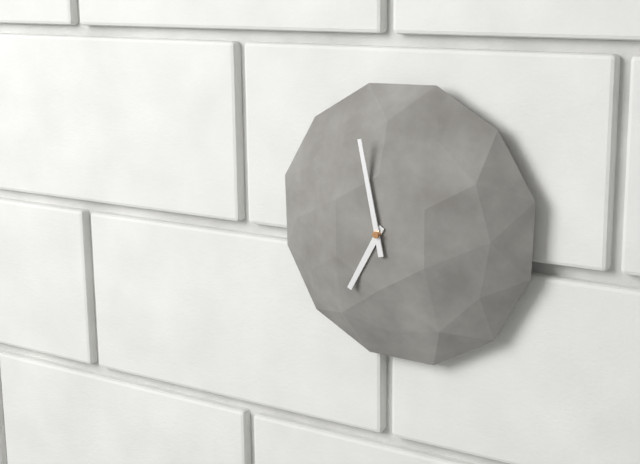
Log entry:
h=6 m=58
